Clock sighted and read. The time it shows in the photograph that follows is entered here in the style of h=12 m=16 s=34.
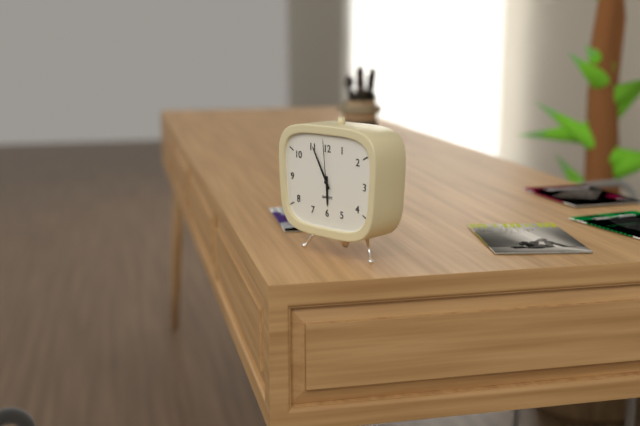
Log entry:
h=5 m=55 s=59
